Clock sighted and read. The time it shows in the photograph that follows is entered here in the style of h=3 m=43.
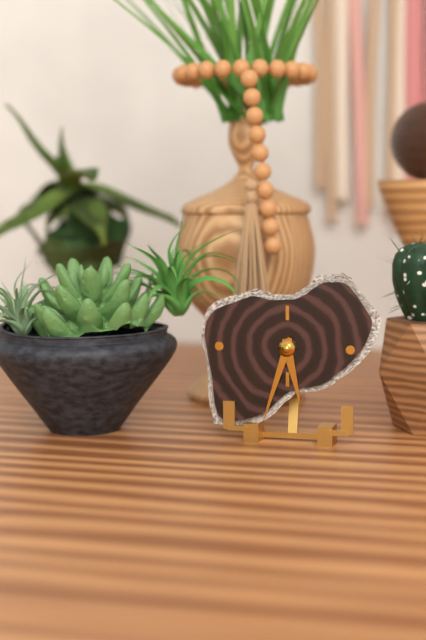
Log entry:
h=5 m=33
